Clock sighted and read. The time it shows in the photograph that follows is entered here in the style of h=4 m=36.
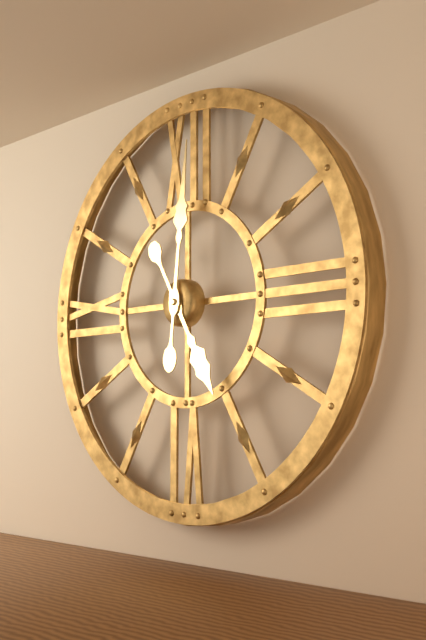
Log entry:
h=5 m=1
